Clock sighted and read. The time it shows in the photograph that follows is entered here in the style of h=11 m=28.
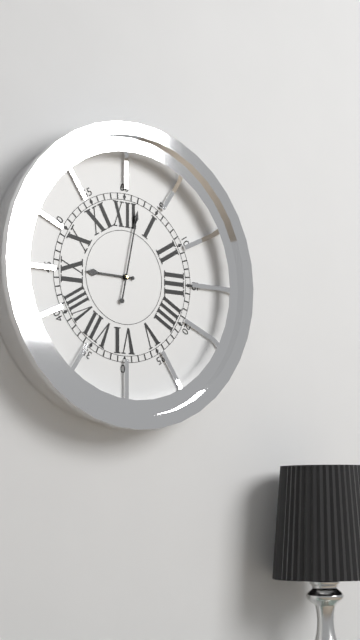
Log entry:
h=9 m=2
